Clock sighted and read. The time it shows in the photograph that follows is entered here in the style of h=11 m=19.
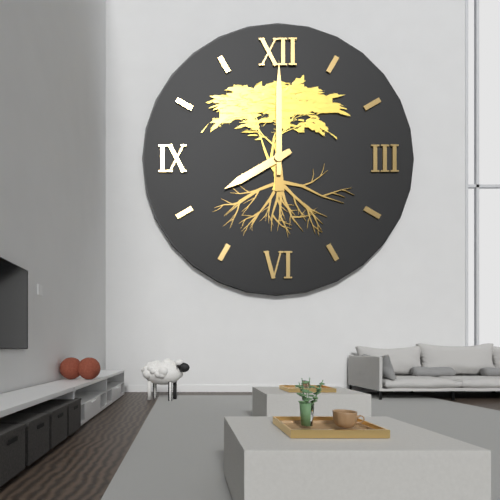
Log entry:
h=8 m=0
